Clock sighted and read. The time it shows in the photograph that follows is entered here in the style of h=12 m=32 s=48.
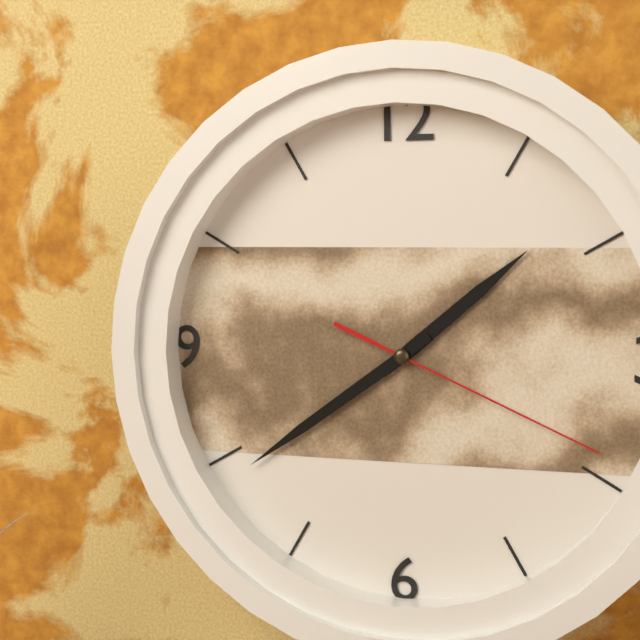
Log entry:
h=1 m=39 s=19
